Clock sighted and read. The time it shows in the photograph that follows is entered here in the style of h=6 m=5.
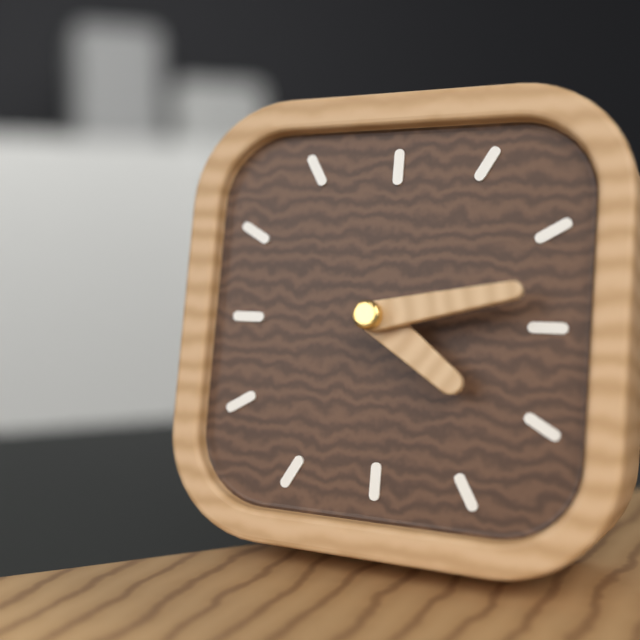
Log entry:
h=4 m=13
